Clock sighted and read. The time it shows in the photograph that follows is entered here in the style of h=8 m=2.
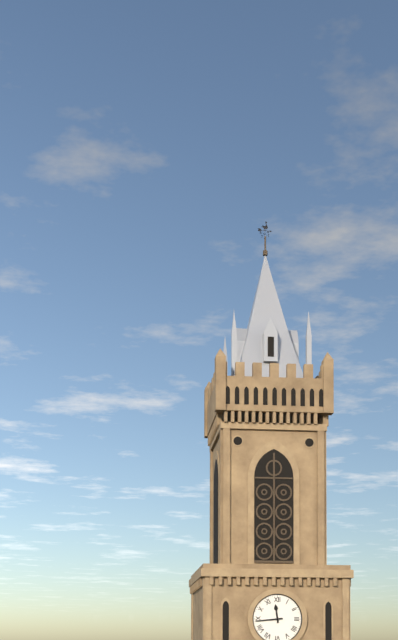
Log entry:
h=11 m=44
